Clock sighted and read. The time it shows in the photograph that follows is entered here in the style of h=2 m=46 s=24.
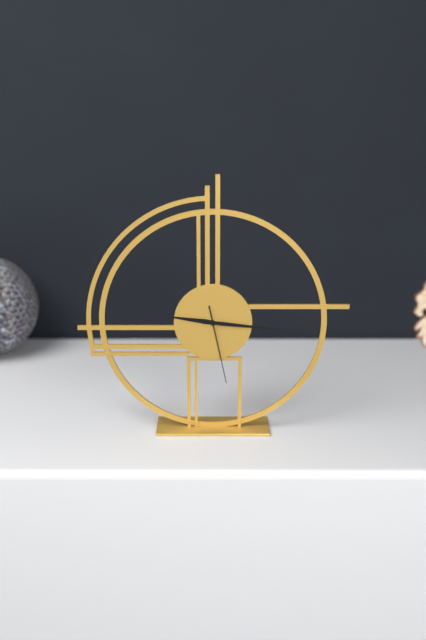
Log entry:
h=9 m=16 s=28
